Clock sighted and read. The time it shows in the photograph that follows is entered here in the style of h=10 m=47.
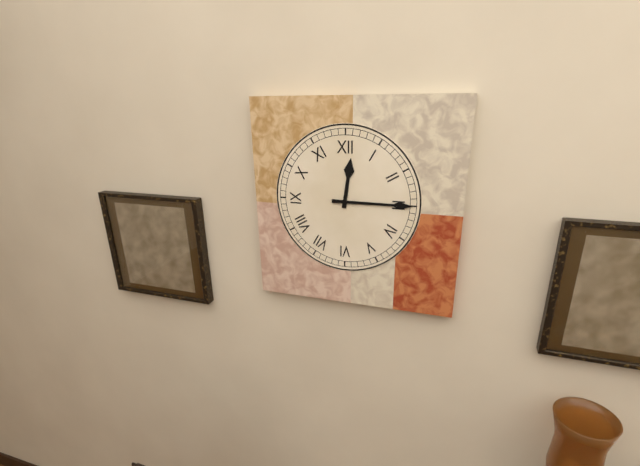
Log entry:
h=12 m=15
